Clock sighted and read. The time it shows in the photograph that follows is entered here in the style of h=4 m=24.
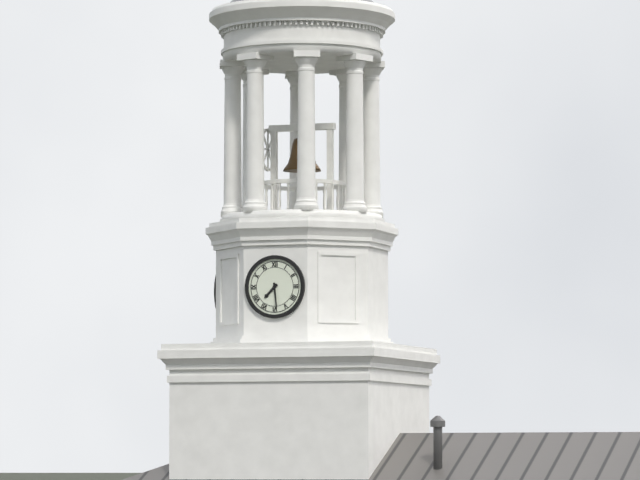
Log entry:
h=7 m=29
